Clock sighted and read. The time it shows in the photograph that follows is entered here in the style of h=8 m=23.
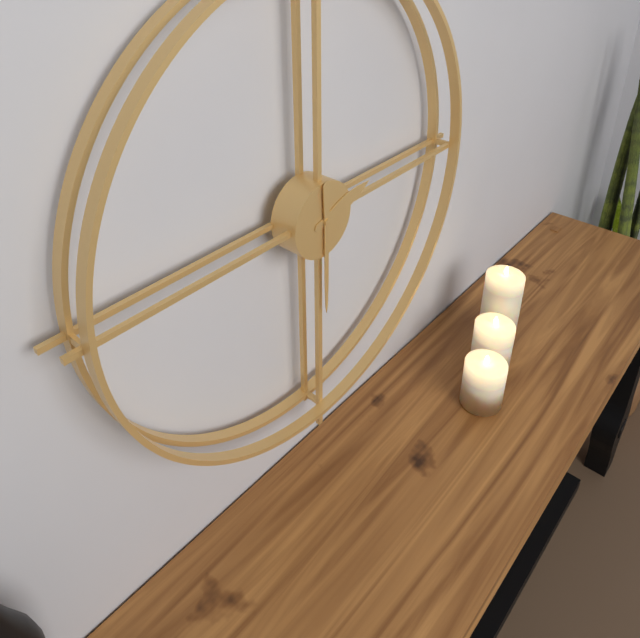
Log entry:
h=2 m=30
